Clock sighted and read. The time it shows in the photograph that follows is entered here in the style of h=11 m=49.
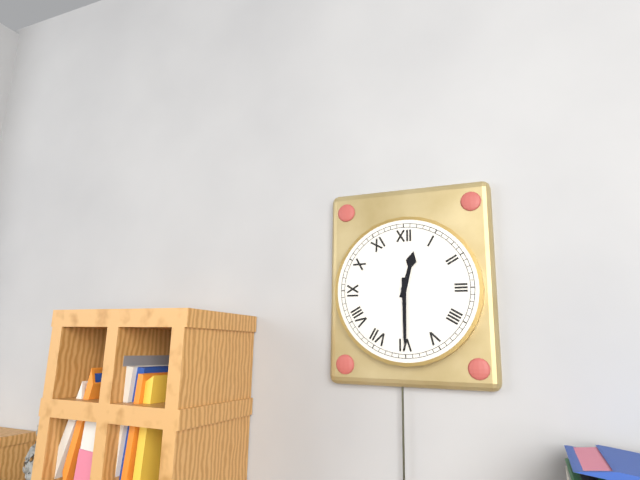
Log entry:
h=12 m=30
